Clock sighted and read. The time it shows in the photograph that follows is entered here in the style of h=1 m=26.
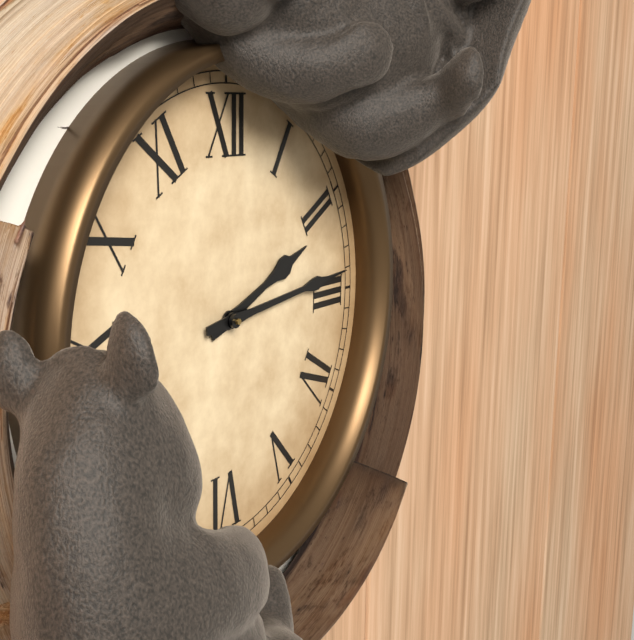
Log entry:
h=2 m=14
